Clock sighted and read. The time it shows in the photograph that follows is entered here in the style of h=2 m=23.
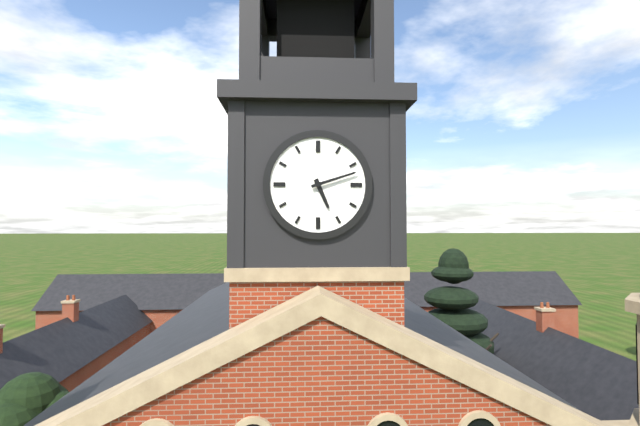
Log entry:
h=5 m=12
